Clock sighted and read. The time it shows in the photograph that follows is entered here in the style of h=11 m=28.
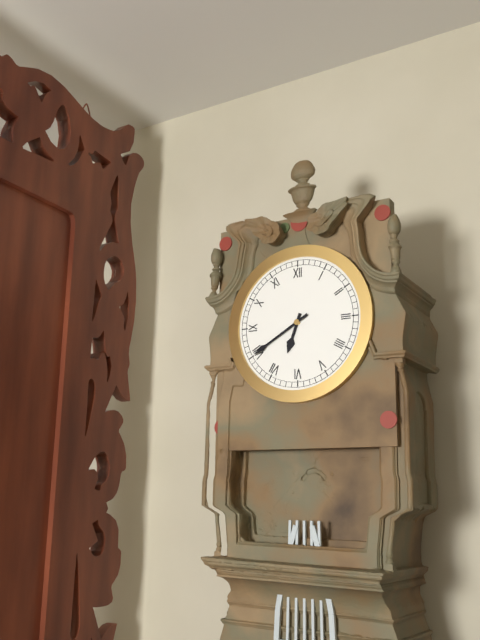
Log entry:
h=6 m=40
